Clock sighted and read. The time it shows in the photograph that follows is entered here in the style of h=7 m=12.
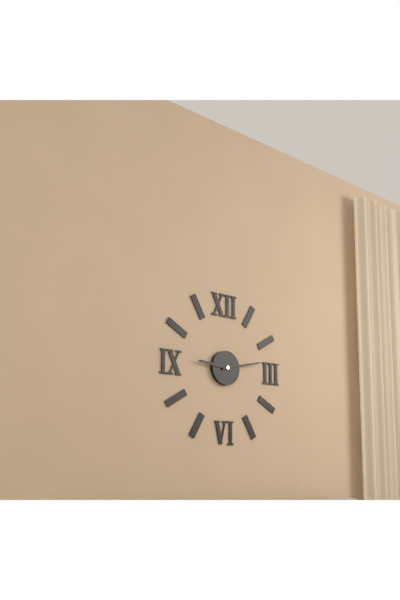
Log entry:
h=9 m=13
